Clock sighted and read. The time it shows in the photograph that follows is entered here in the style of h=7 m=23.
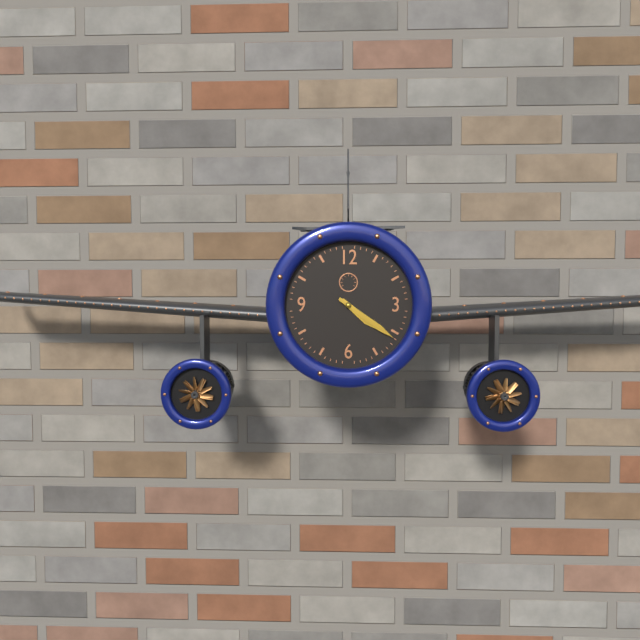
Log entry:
h=4 m=21
